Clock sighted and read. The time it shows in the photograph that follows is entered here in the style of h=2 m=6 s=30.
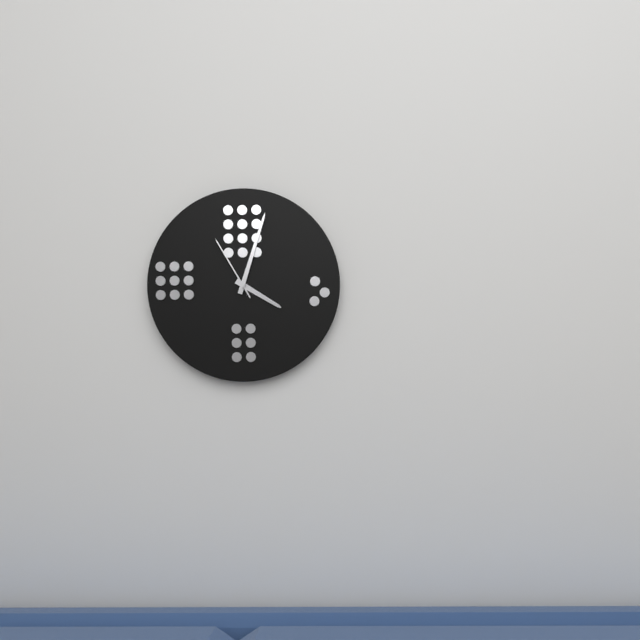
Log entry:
h=4 m=3 s=55
